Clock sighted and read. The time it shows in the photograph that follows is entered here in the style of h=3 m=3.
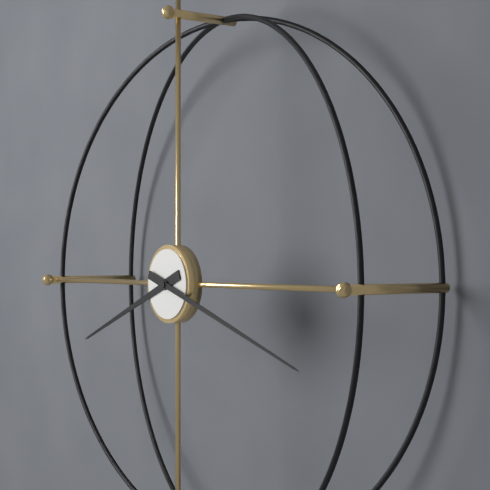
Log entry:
h=8 m=18
